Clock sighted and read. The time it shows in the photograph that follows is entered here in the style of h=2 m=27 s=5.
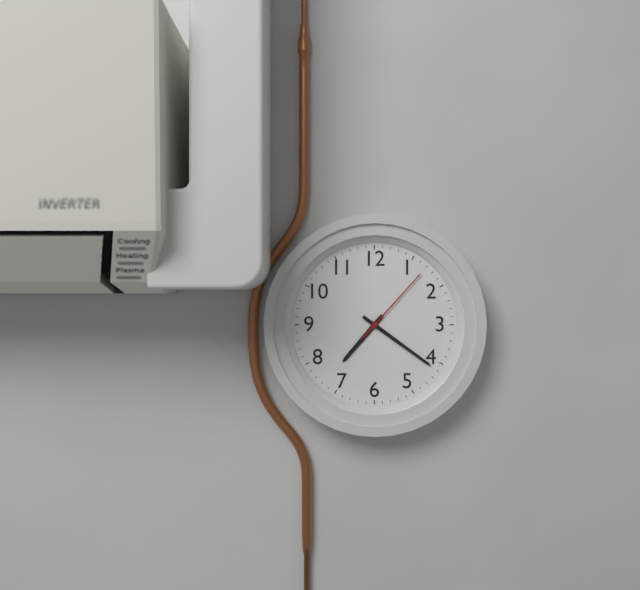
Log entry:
h=7 m=21 s=7
